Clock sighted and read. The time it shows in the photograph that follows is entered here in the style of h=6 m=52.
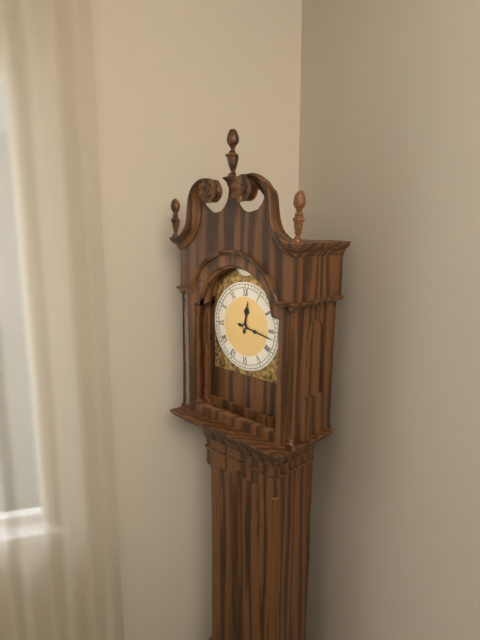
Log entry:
h=12 m=17
